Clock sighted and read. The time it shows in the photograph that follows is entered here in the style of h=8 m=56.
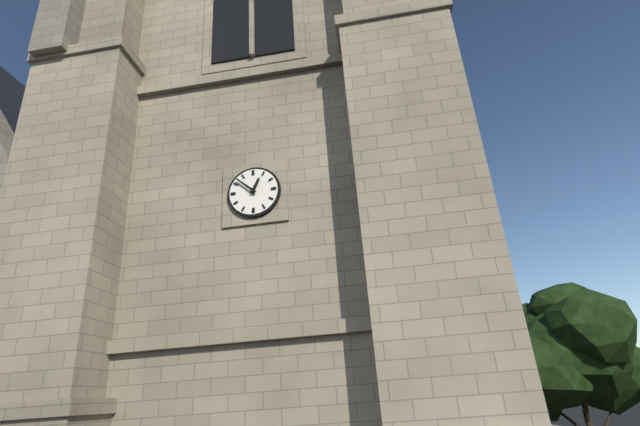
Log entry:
h=12 m=52
